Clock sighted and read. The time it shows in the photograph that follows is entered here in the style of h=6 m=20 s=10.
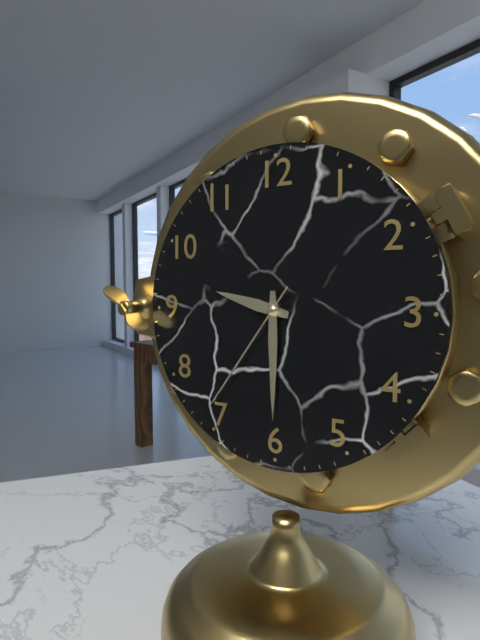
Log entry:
h=9 m=30 s=36
